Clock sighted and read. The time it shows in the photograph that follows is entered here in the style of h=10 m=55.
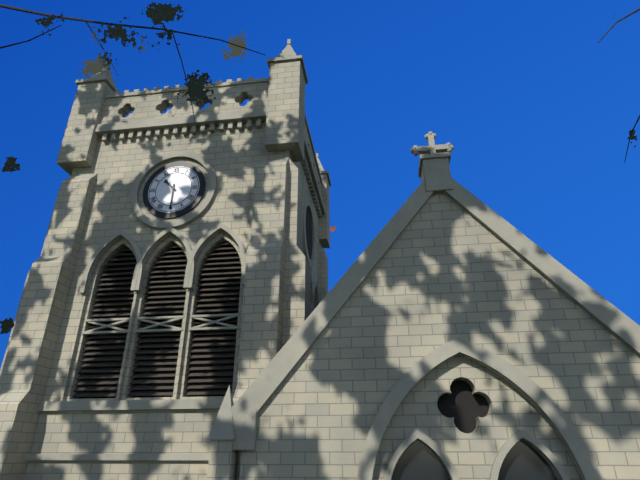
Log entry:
h=10 m=30
